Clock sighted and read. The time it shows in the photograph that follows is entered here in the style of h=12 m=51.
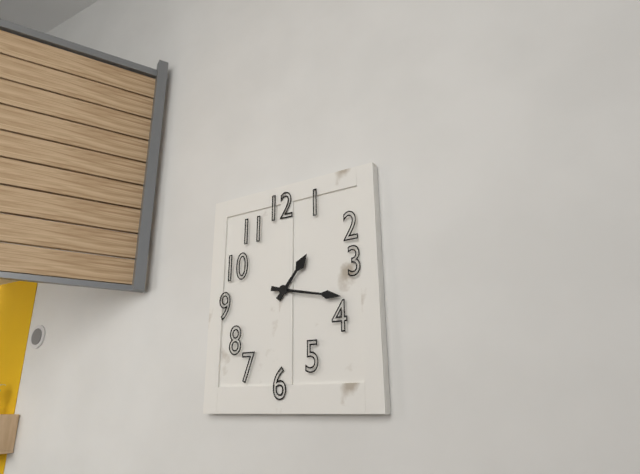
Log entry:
h=1 m=17
